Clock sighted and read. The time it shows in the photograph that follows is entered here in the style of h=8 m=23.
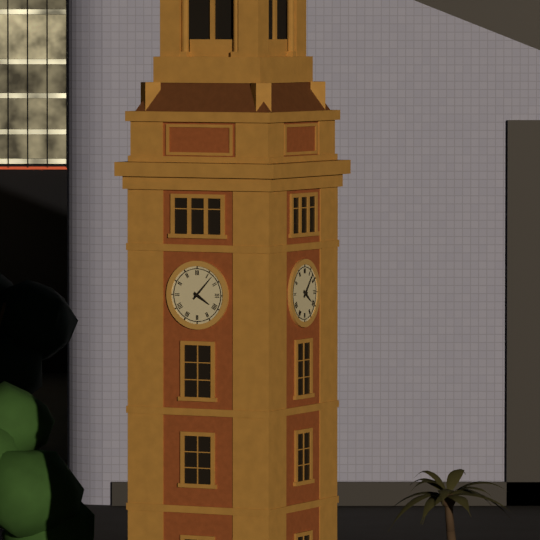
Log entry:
h=4 m=7
